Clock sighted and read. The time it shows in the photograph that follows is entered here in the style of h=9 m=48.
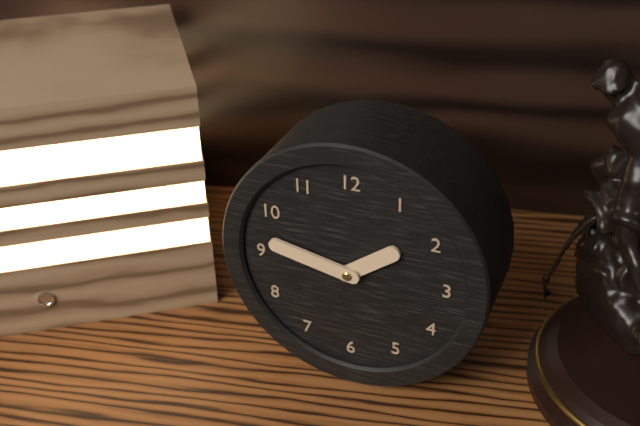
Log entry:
h=1 m=47
